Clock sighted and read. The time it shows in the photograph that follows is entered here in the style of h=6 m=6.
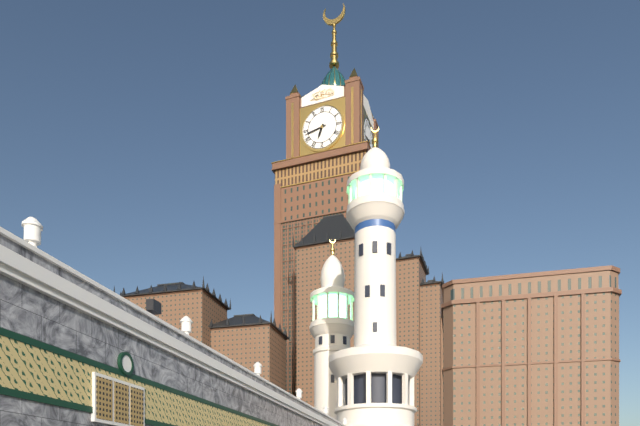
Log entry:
h=6 m=43
